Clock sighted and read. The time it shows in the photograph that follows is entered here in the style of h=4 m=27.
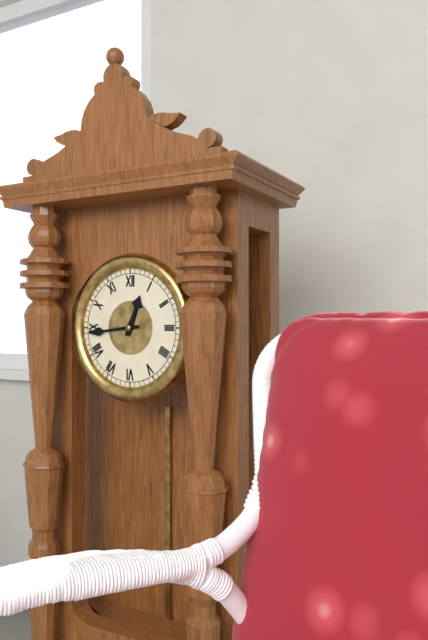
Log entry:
h=12 m=44
